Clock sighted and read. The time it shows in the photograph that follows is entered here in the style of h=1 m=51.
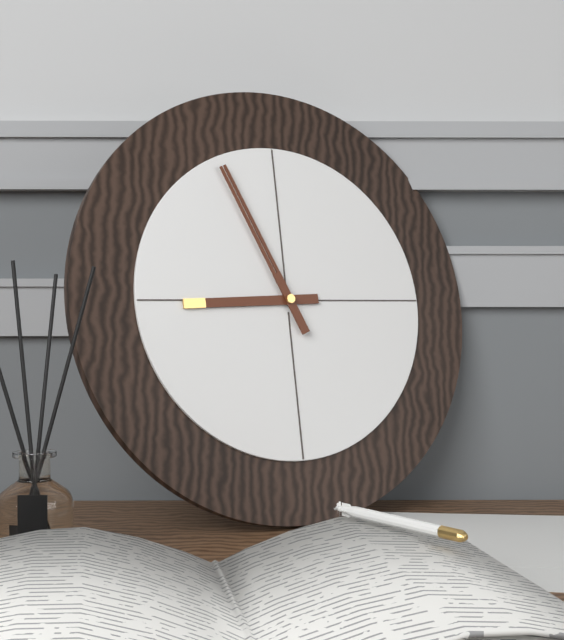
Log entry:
h=8 m=56
